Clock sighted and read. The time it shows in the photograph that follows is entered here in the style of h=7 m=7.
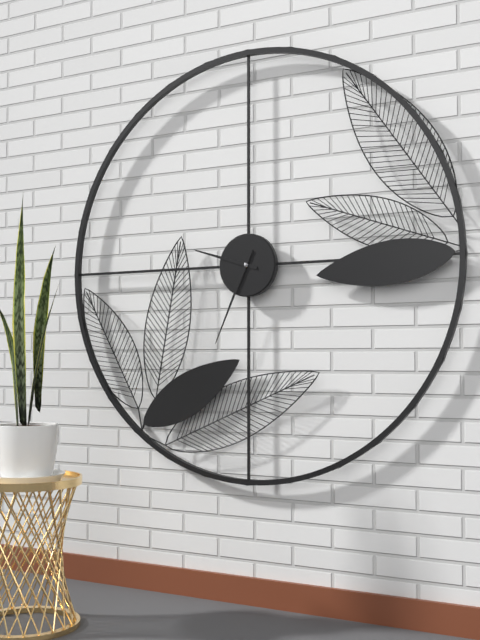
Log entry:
h=9 m=34
